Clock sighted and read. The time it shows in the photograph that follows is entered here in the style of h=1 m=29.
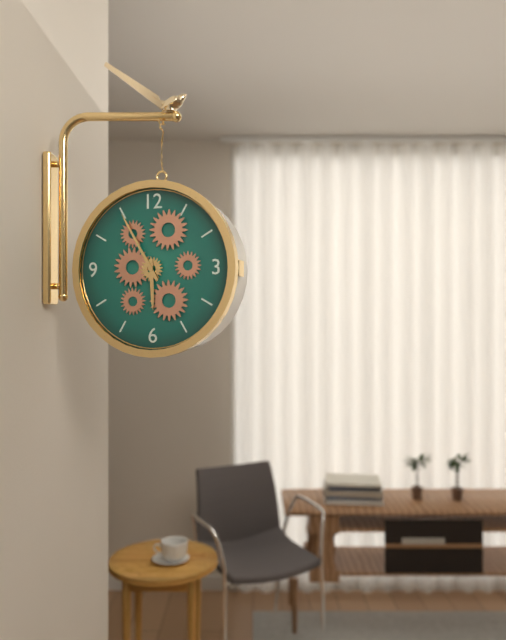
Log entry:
h=5 m=55
